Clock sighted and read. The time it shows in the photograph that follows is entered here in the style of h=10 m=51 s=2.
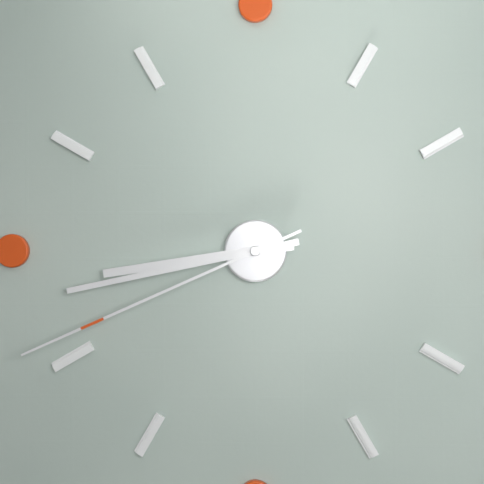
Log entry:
h=8 m=43 s=41
